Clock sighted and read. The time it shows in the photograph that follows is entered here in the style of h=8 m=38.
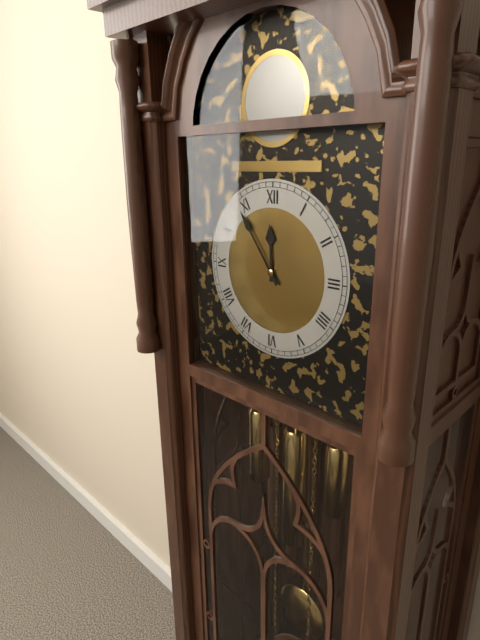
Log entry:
h=11 m=54
